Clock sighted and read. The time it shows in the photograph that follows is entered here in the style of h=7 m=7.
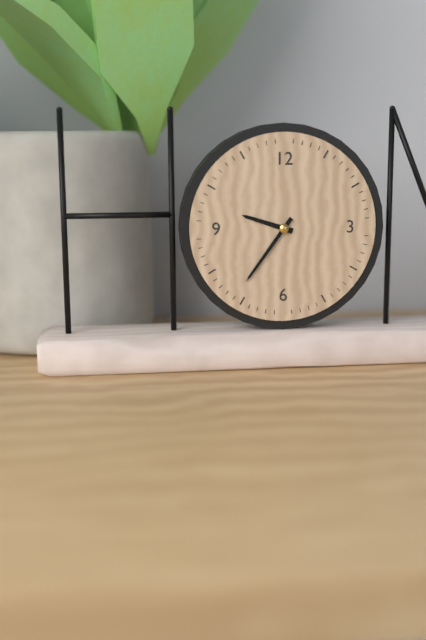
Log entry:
h=9 m=36
